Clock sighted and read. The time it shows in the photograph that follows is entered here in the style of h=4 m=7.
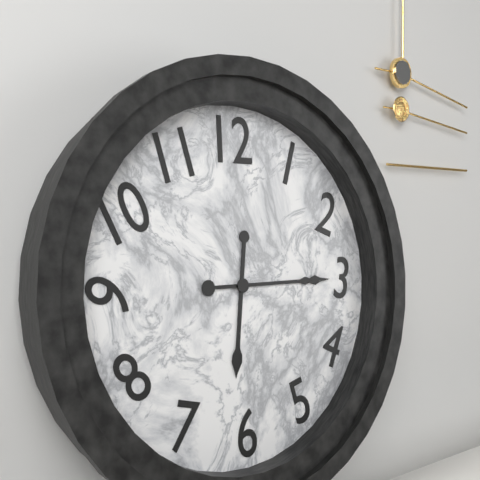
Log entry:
h=6 m=15
